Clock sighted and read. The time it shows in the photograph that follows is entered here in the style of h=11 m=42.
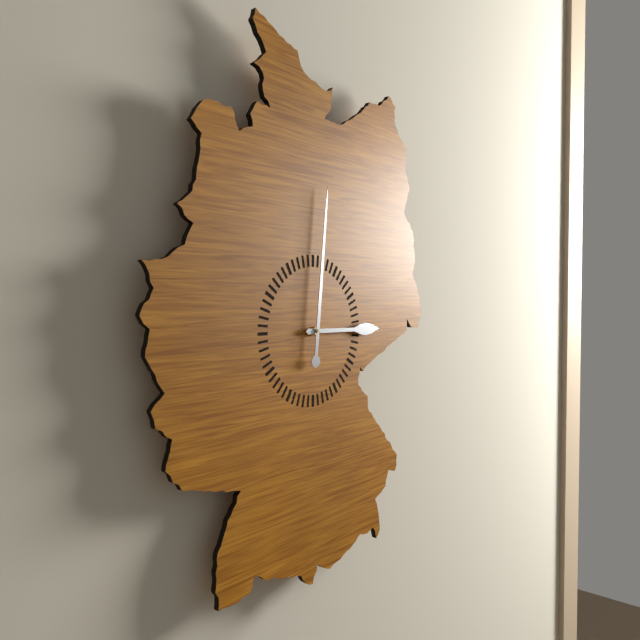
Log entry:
h=3 m=1
